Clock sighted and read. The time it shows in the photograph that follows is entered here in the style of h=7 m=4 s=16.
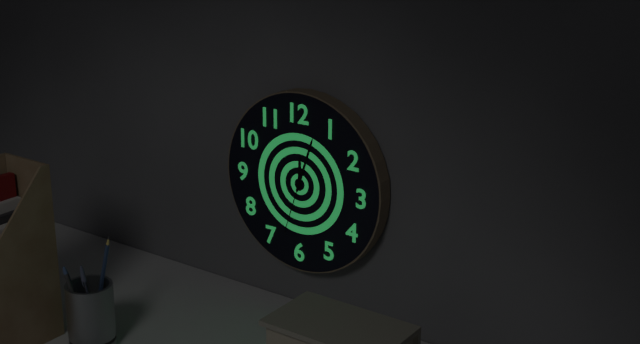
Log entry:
h=12 m=3 s=33
